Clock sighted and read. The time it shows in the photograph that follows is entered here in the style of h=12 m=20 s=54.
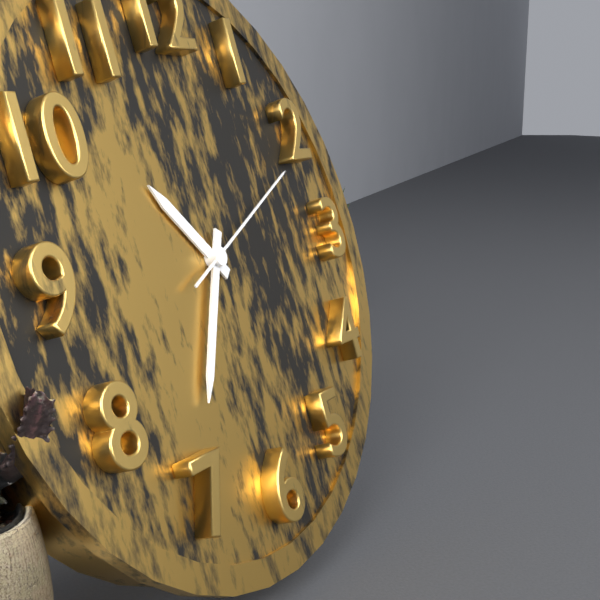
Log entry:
h=10 m=35 s=11
